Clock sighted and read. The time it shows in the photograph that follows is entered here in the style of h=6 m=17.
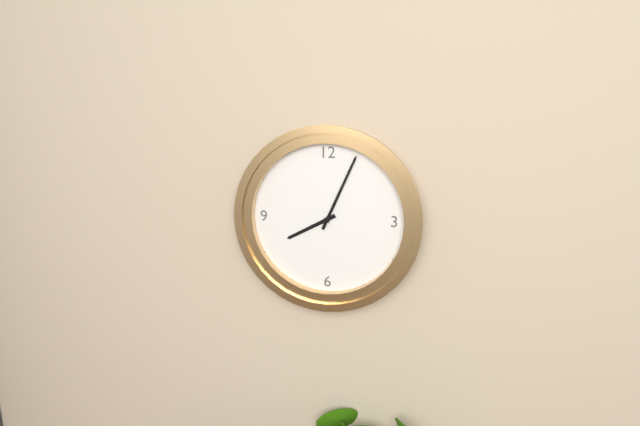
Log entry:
h=8 m=4
